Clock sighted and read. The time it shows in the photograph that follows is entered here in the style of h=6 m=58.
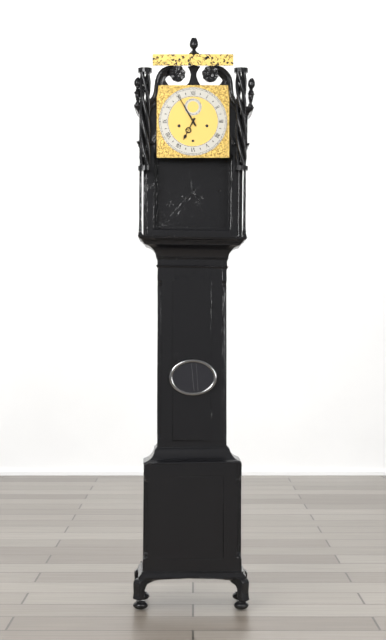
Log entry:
h=6 m=55
